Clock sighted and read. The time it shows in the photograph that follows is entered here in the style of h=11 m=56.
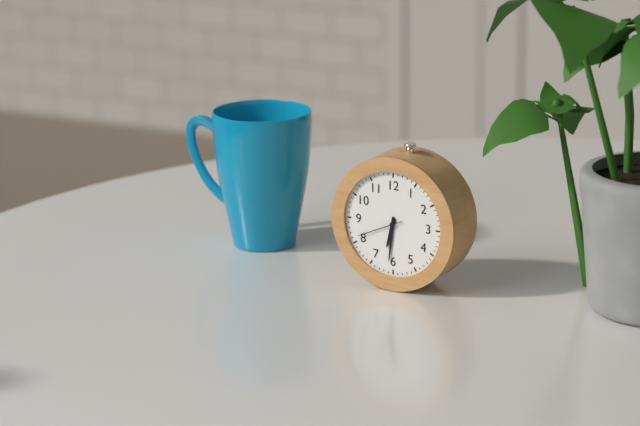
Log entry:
h=6 m=31
